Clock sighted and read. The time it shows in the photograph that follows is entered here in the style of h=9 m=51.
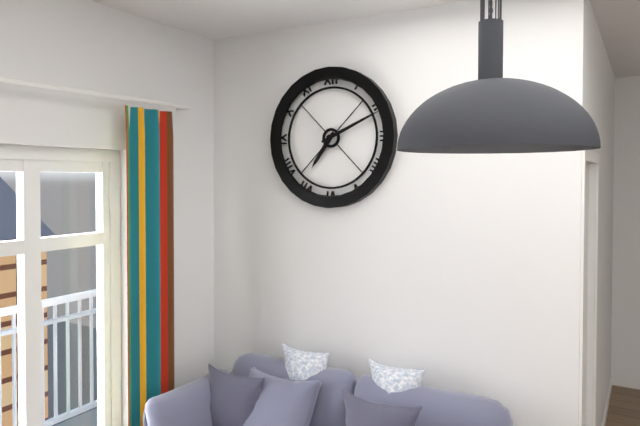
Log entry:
h=7 m=11
